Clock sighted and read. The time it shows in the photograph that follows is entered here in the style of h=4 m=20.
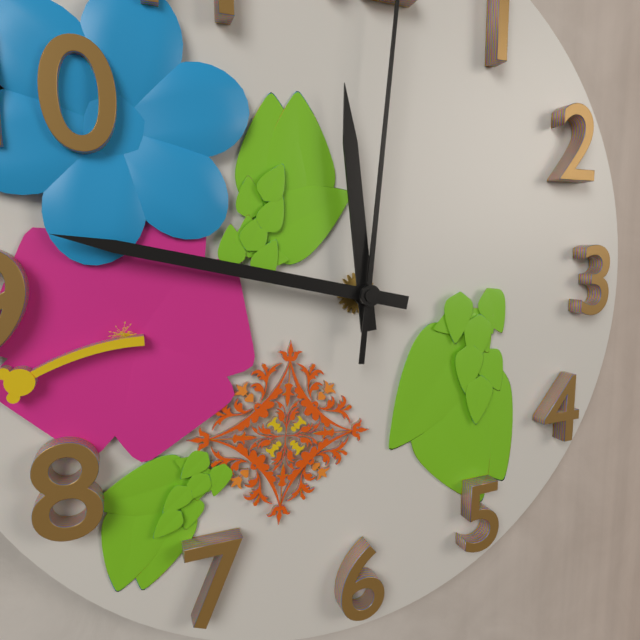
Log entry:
h=11 m=47
